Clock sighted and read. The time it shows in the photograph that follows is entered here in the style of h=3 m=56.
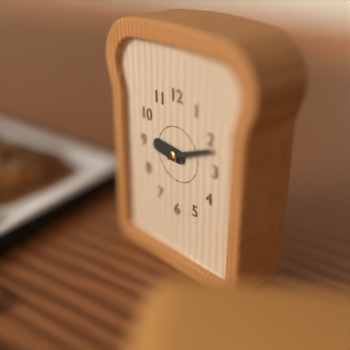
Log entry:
h=9 m=11
